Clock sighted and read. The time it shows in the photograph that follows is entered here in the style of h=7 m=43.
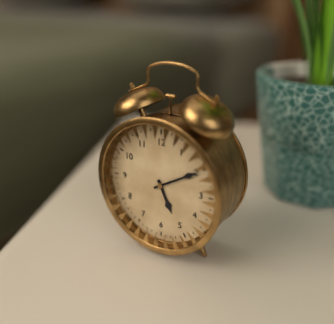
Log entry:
h=5 m=10
